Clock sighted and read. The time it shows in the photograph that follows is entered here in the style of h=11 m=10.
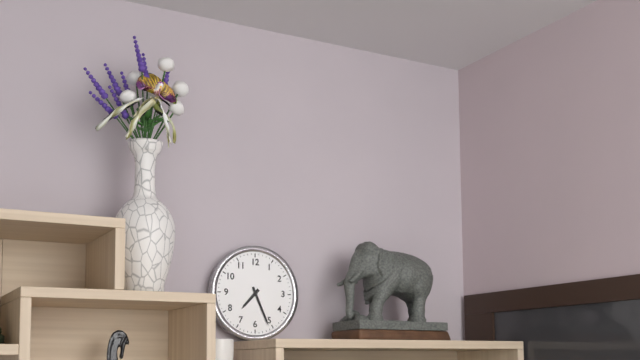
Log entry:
h=7 m=26
